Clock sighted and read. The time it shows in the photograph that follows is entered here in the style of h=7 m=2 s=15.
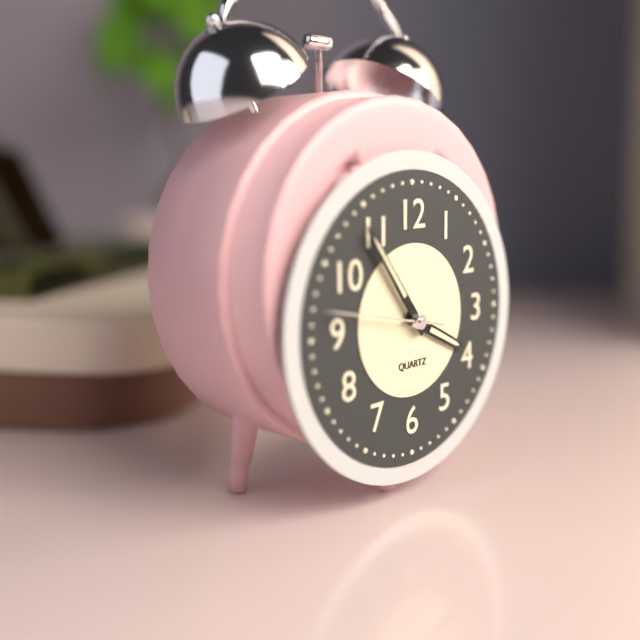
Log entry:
h=3 m=54 s=47
